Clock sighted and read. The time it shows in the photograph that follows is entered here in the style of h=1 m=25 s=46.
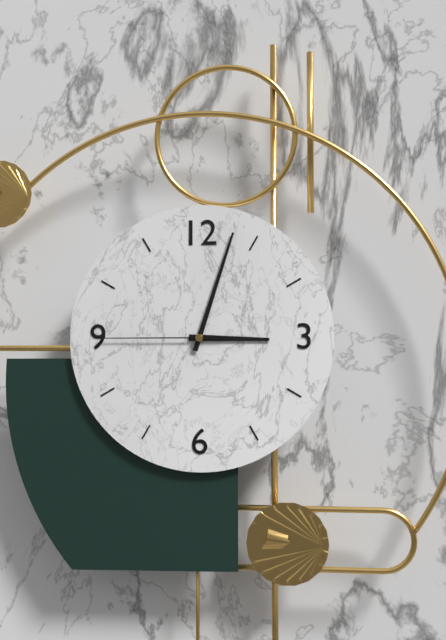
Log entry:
h=3 m=3 s=45
